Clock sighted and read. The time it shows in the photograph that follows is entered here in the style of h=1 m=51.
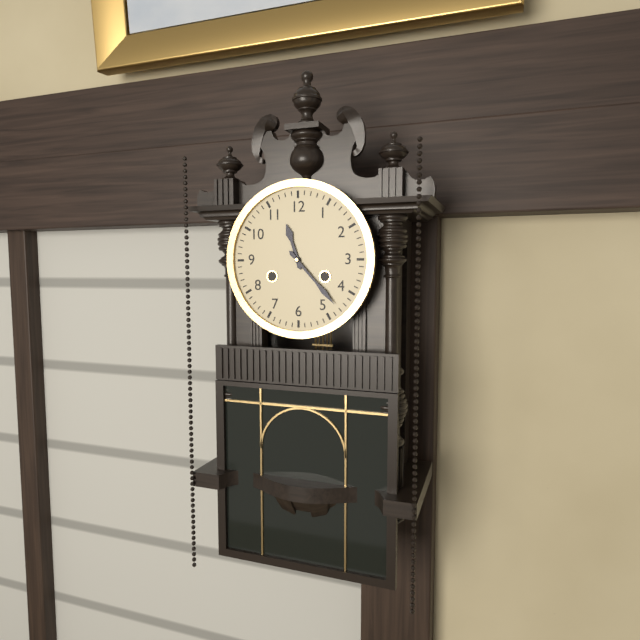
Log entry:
h=11 m=23
